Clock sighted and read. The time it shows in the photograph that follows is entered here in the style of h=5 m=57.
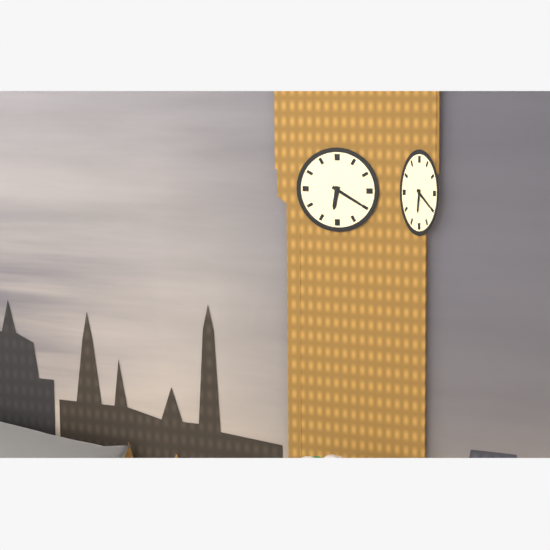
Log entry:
h=6 m=20
